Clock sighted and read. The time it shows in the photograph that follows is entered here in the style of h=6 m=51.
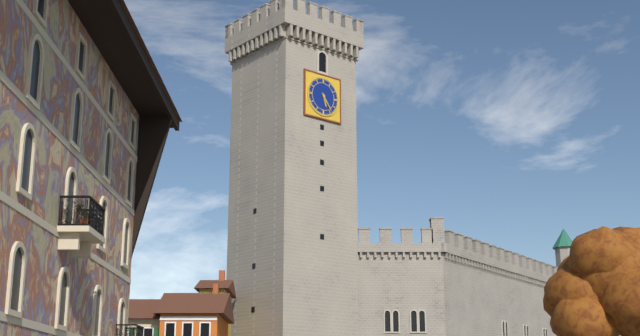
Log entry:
h=5 m=24
